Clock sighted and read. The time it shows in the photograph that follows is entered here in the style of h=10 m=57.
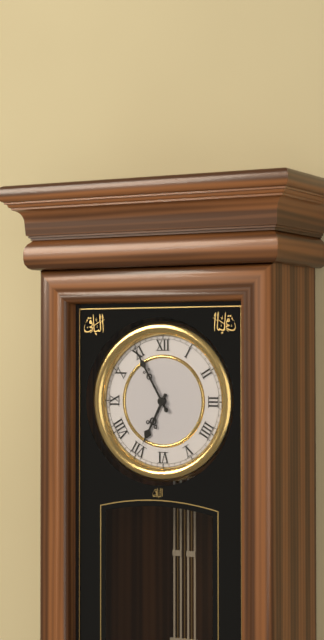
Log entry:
h=6 m=55
